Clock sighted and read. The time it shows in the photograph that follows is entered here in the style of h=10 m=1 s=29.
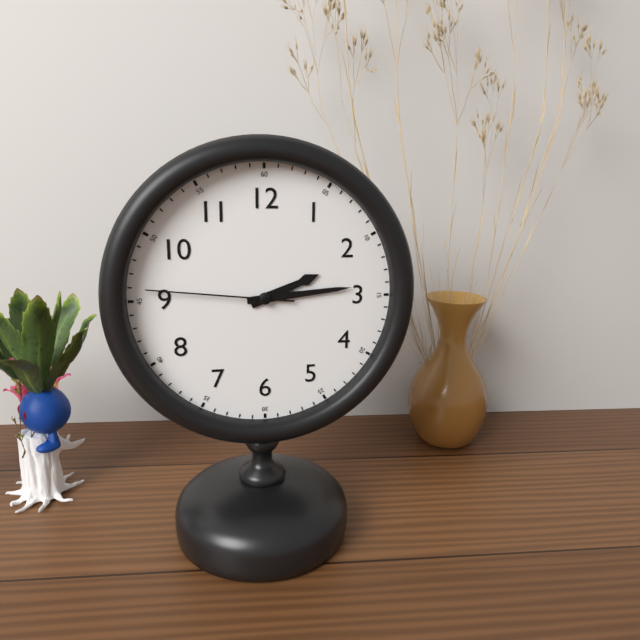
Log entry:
h=2 m=14 s=46
